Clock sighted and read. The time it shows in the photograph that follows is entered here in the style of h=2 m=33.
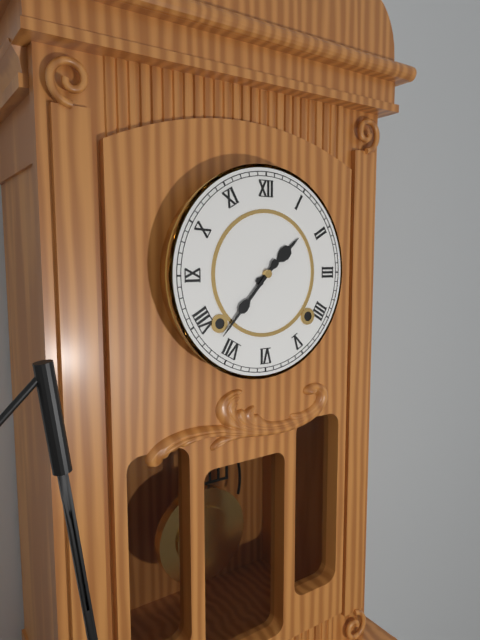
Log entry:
h=1 m=37
